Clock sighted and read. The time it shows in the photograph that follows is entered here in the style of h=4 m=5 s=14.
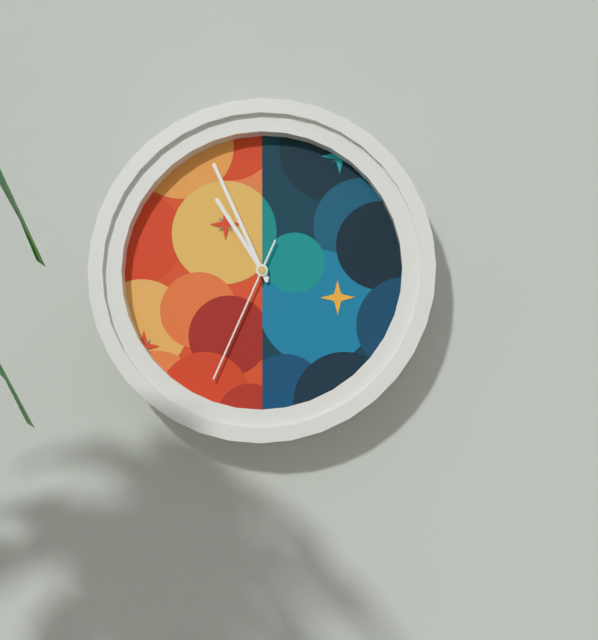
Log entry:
h=10 m=56 s=34
